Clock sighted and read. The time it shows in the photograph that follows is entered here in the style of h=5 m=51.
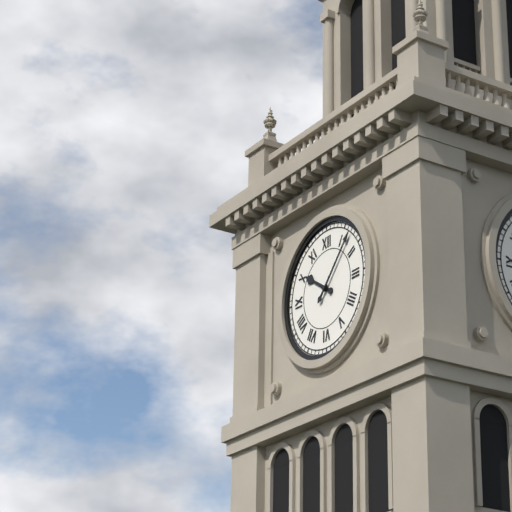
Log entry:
h=10 m=7
